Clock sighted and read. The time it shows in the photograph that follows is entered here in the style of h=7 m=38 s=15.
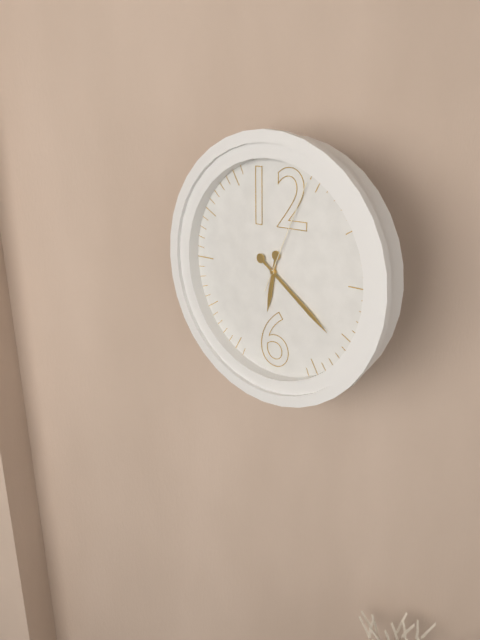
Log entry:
h=6 m=21 s=4
